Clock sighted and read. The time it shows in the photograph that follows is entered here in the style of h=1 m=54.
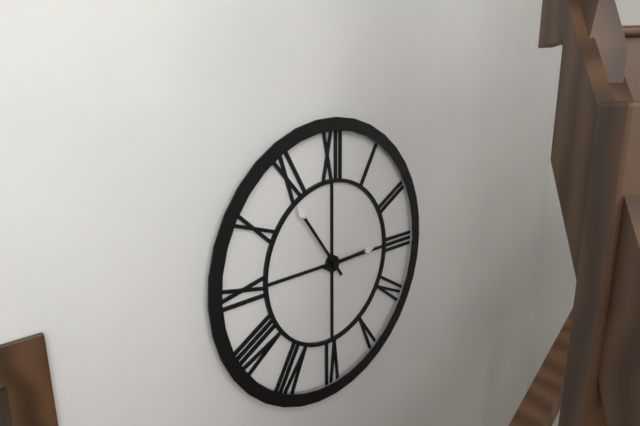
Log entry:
h=2 m=54
